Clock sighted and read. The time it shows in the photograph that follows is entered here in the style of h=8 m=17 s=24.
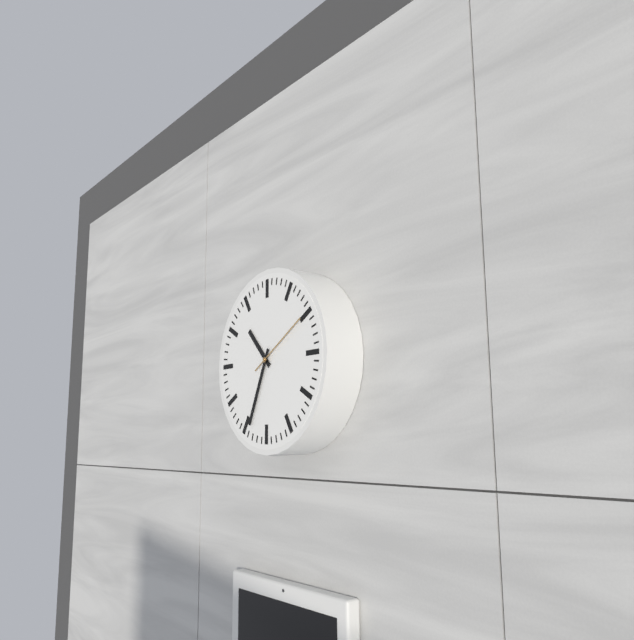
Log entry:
h=10 m=34 s=10
